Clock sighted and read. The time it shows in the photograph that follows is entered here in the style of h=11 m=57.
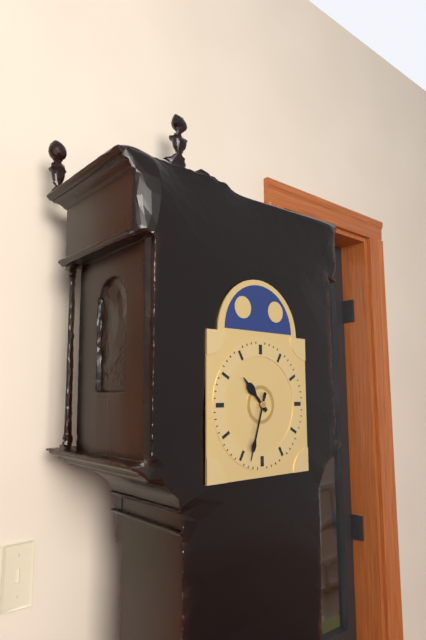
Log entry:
h=10 m=33
